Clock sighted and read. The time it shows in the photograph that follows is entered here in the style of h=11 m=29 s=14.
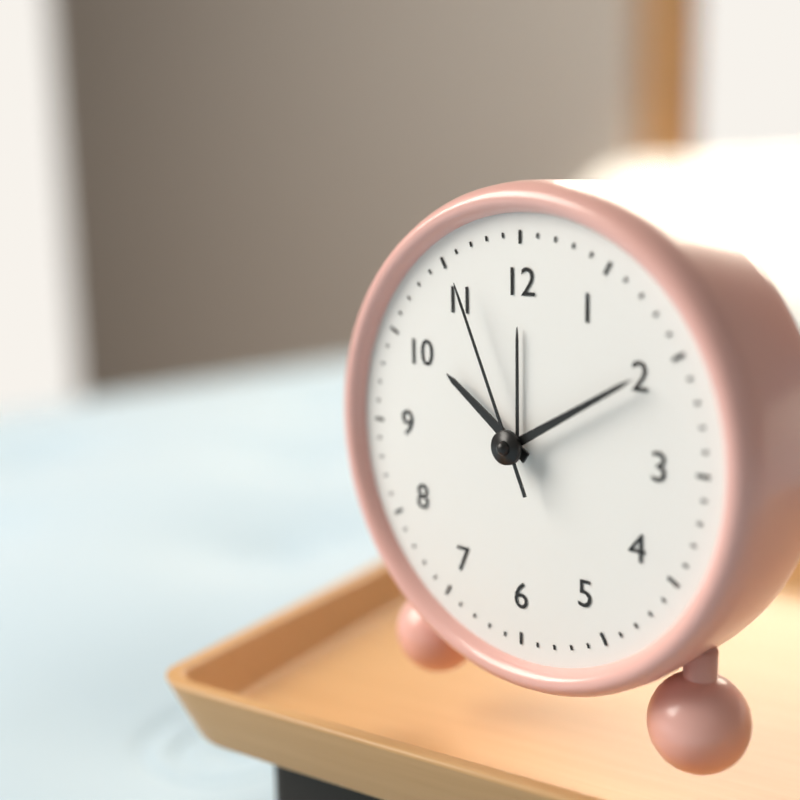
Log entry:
h=10 m=10 s=56
